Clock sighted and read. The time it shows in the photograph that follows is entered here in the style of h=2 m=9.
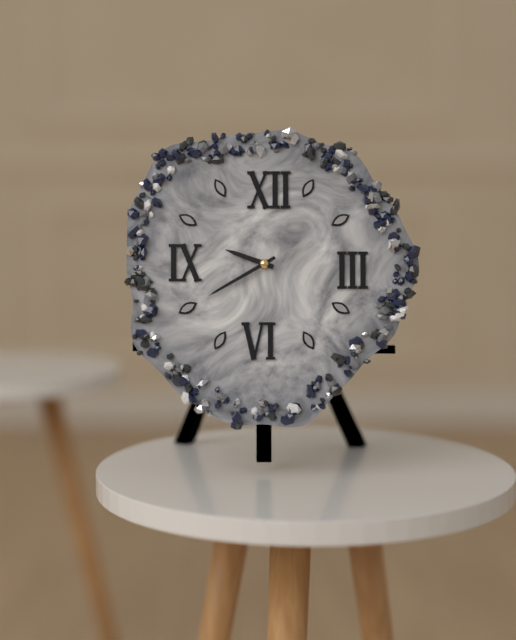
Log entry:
h=9 m=40
